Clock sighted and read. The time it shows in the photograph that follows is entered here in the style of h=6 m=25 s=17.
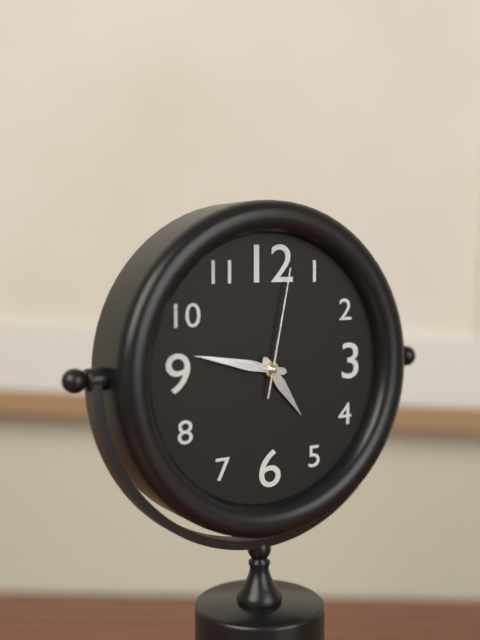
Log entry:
h=4 m=47 s=2
